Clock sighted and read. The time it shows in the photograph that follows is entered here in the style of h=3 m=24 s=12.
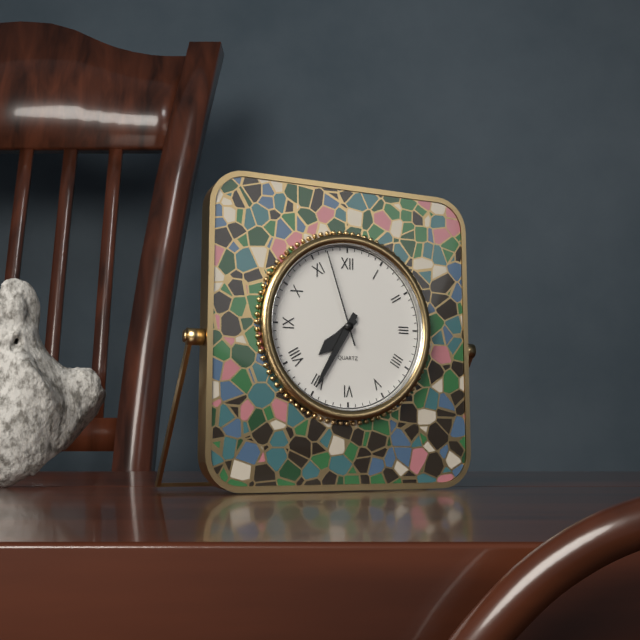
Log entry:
h=7 m=35 s=57
